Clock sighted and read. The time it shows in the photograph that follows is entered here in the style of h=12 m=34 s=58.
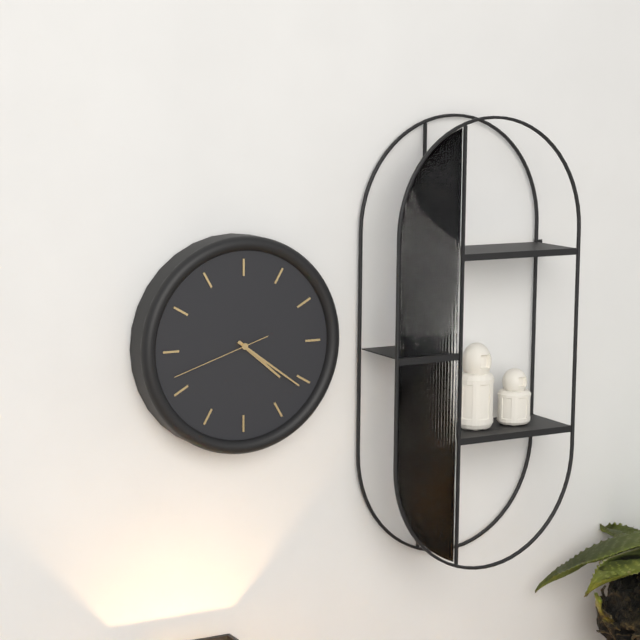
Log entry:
h=4 m=21 s=42
